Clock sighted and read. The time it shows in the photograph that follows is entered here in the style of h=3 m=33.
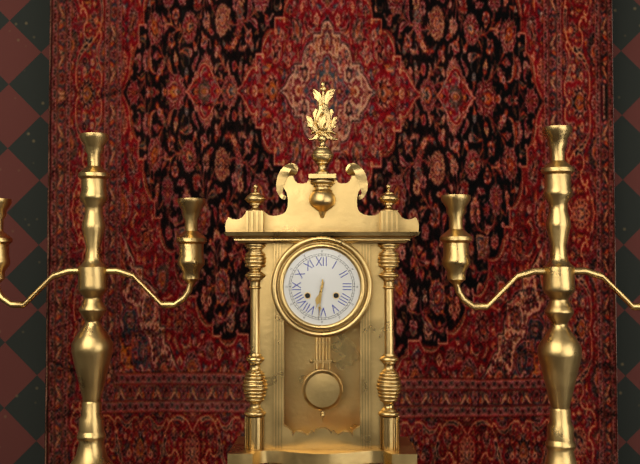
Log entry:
h=6 m=31
